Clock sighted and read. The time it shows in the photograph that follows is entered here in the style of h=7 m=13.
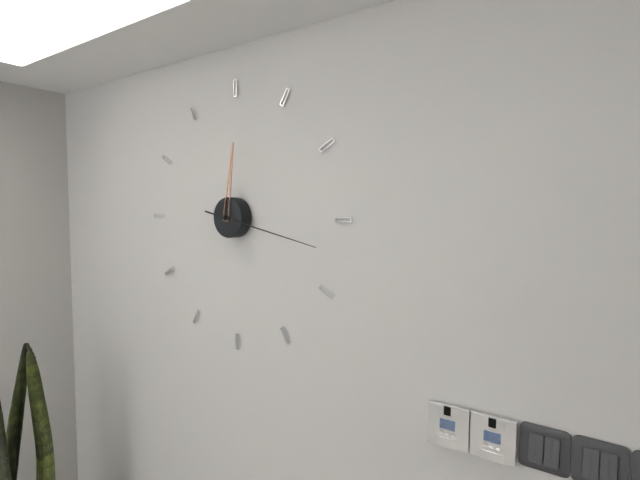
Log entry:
h=12 m=17
